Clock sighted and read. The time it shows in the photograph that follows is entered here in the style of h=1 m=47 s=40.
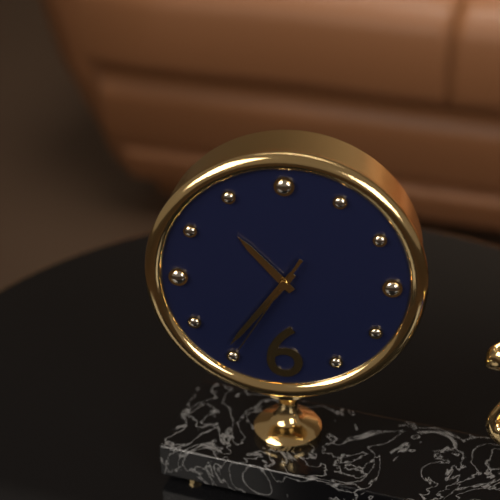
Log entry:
h=10 m=36 s=35
